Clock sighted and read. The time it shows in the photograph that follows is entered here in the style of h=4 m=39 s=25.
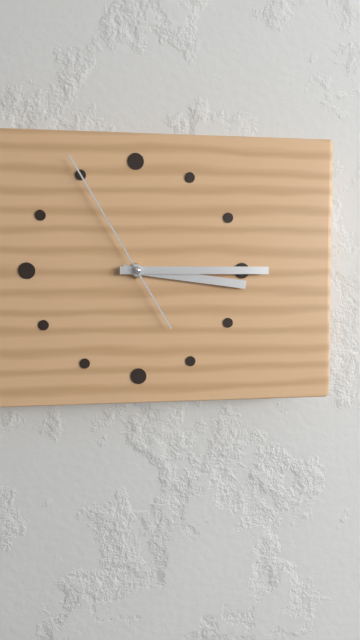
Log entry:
h=3 m=15 s=55
